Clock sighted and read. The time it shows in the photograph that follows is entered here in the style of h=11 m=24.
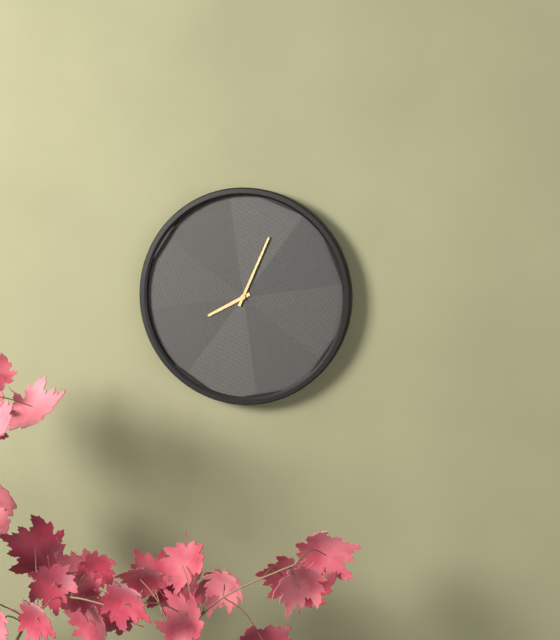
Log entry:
h=8 m=4
